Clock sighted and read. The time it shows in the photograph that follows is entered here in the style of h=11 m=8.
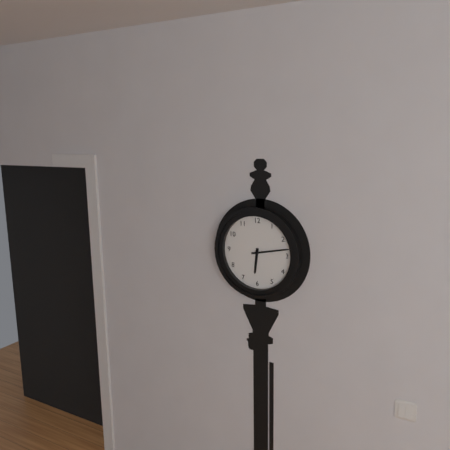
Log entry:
h=6 m=13
